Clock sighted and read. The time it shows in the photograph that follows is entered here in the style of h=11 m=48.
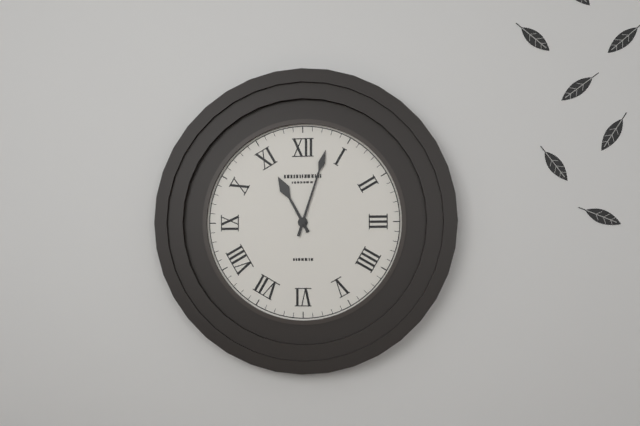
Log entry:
h=11 m=3
